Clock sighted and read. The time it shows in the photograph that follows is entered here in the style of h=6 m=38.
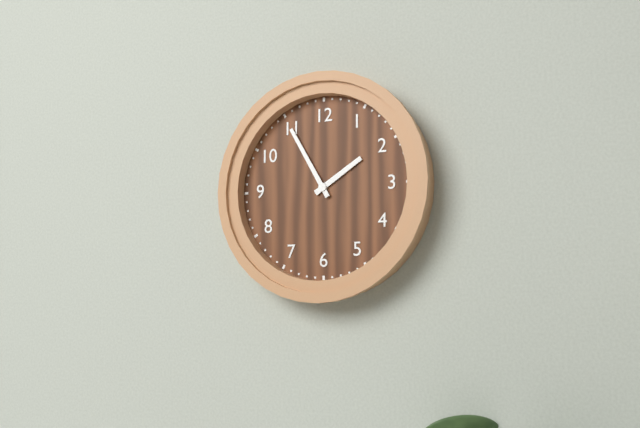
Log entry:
h=1 m=55
